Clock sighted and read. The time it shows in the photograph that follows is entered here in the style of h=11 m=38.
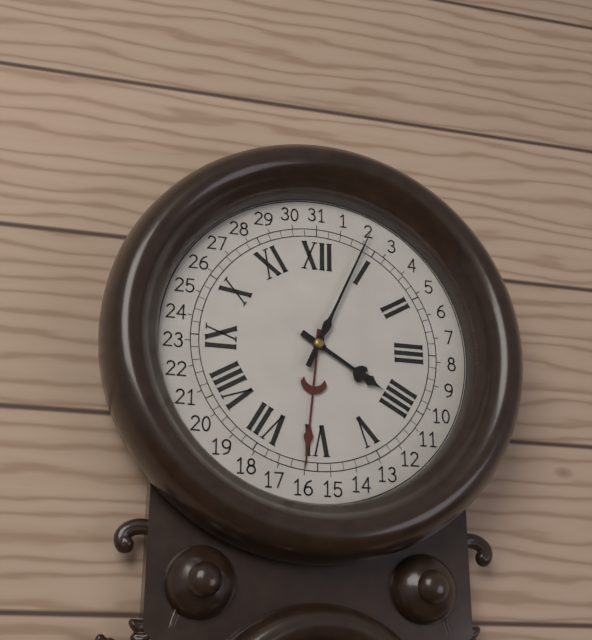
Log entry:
h=4 m=4
